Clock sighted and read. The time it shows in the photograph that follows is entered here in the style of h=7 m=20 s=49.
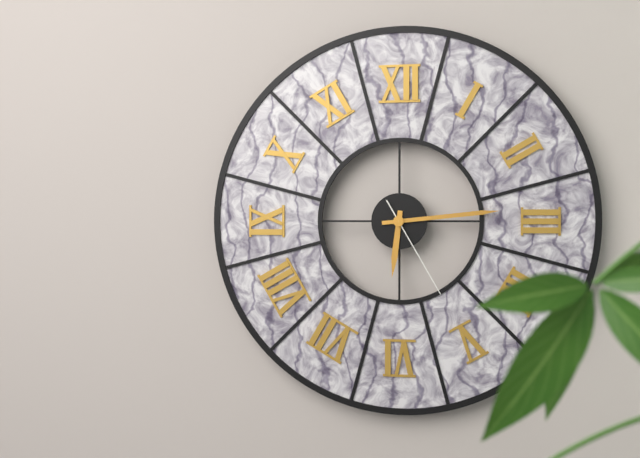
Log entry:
h=6 m=14 s=25
